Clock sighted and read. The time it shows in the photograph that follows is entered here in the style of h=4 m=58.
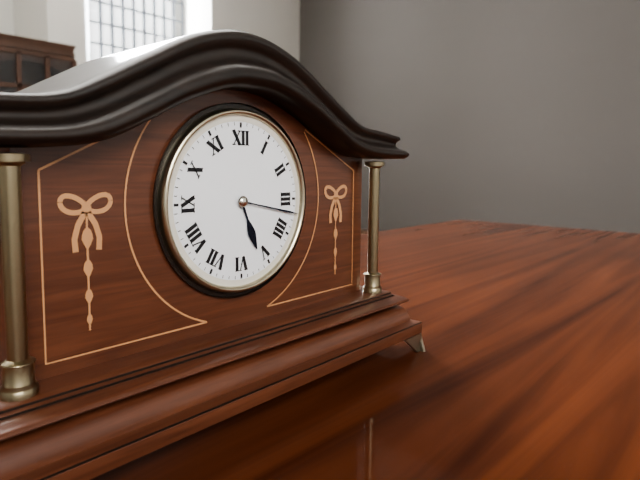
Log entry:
h=5 m=17
